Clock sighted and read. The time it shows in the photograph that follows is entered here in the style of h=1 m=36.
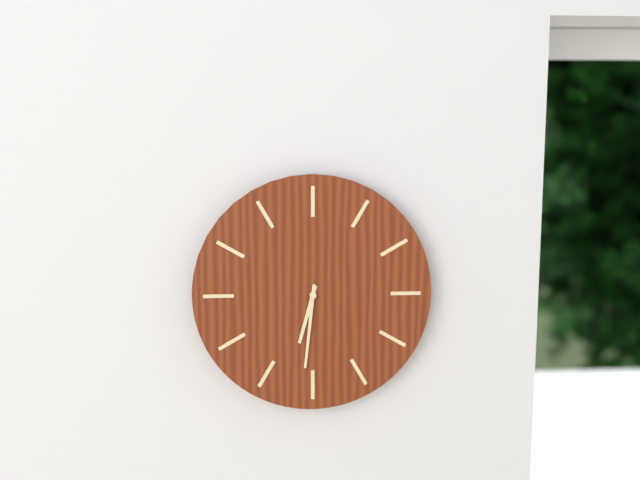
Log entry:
h=6 m=31
